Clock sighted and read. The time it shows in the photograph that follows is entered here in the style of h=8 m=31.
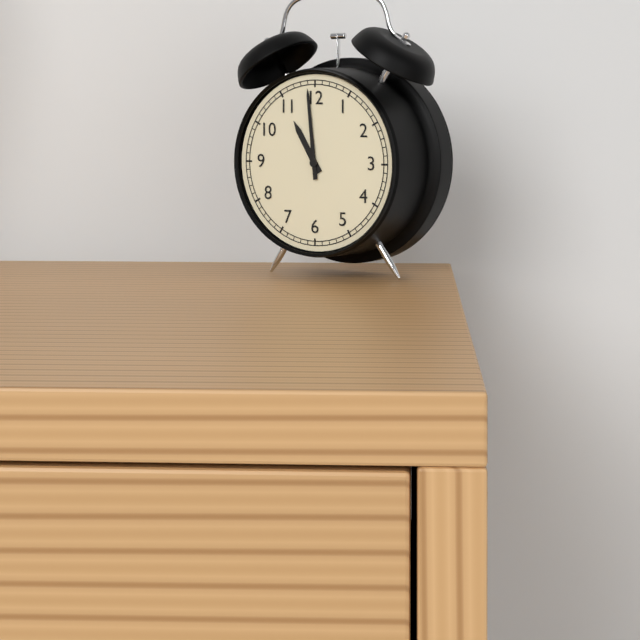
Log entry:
h=10 m=59
